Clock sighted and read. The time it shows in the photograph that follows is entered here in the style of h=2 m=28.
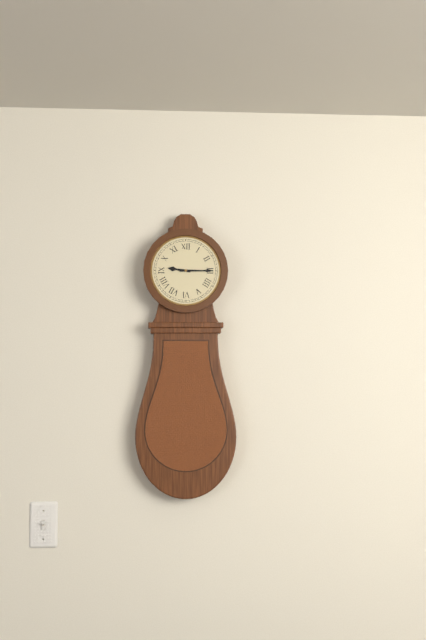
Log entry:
h=9 m=15
